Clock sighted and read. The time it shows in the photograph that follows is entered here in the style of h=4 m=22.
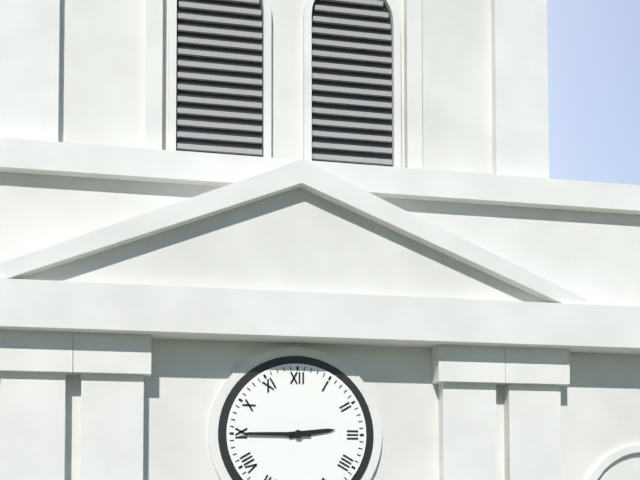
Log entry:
h=2 m=45
